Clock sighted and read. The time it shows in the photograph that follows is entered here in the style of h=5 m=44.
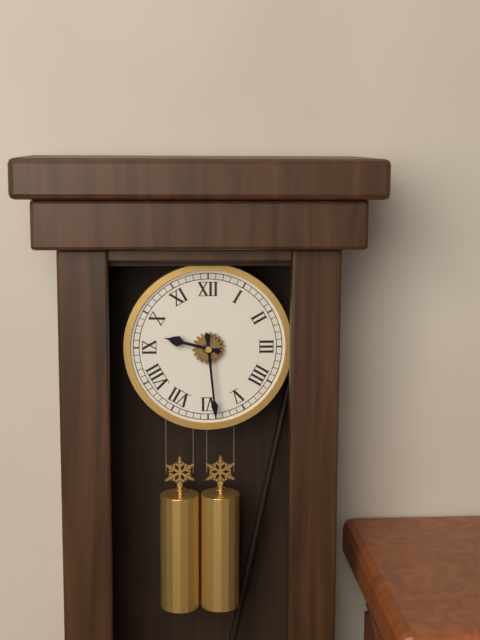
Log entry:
h=9 m=29
